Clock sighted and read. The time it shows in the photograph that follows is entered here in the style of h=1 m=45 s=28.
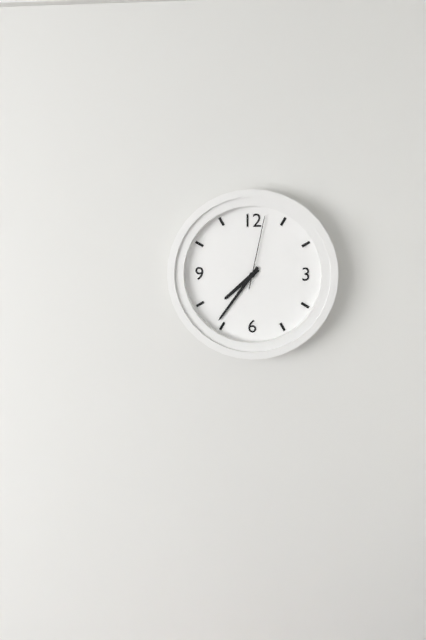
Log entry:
h=7 m=36 s=2
